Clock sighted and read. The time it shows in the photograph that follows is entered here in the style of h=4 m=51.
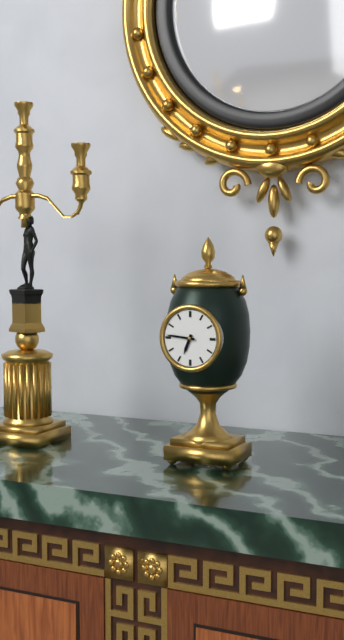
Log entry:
h=6 m=46
